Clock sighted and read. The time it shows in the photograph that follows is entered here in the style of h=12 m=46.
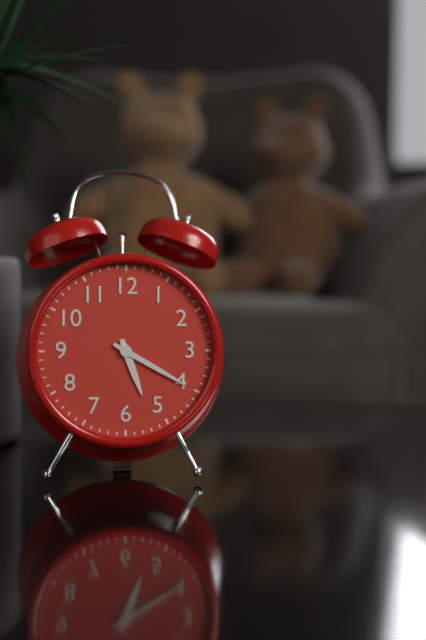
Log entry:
h=5 m=20
